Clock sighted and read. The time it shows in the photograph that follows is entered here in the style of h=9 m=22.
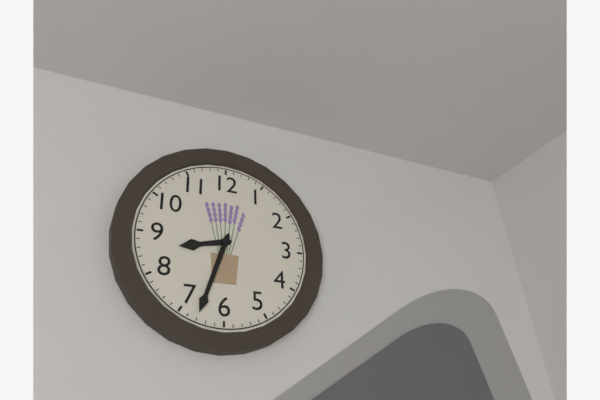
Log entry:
h=8 m=33
